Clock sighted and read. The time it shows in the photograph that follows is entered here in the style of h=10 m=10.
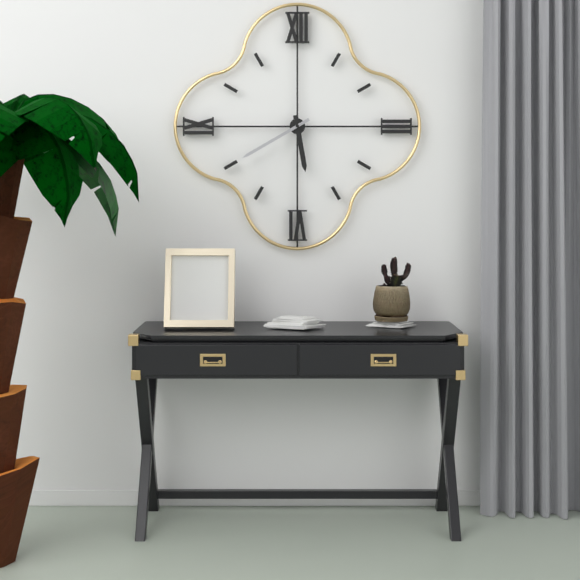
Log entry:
h=5 m=40
